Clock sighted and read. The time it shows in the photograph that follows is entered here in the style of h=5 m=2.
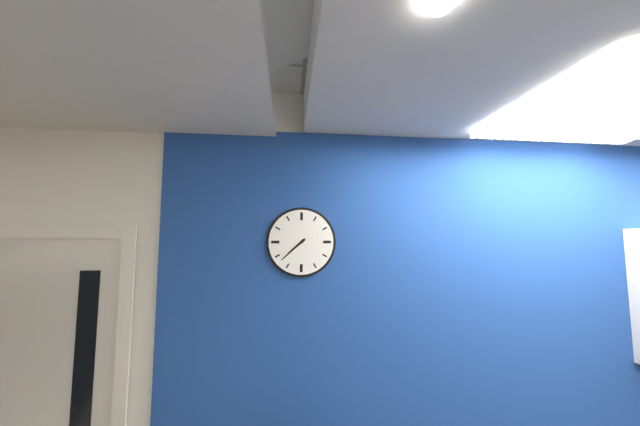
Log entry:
h=7 m=38
